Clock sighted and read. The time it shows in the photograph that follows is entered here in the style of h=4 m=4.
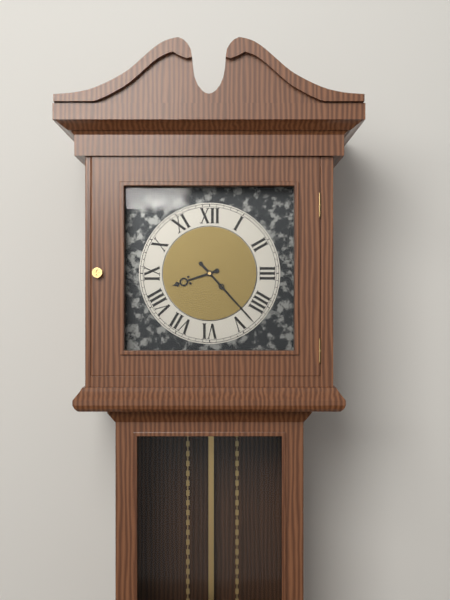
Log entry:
h=8 m=23
